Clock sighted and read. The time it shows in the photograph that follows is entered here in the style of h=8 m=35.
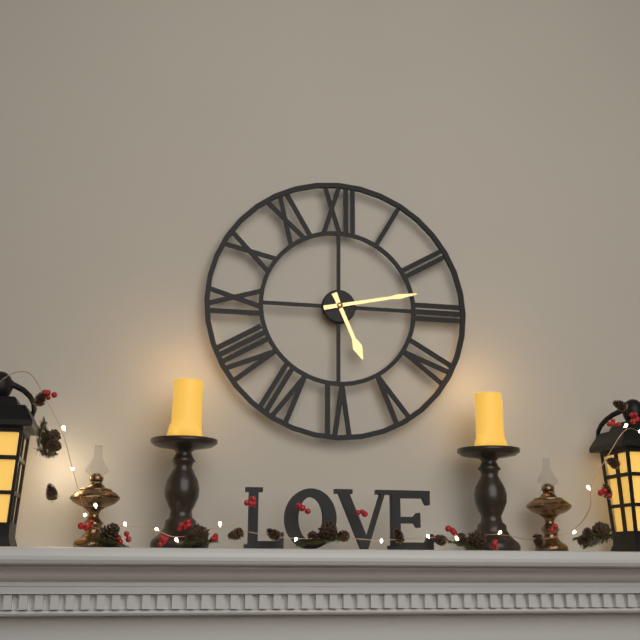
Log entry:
h=5 m=13
